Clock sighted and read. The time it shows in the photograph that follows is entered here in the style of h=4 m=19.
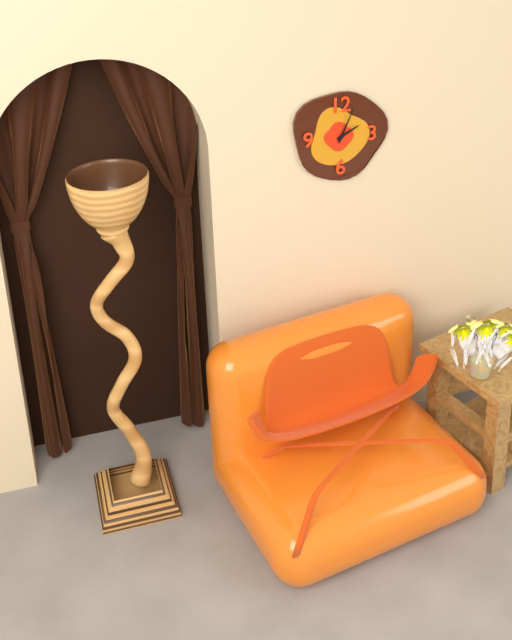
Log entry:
h=2 m=4
